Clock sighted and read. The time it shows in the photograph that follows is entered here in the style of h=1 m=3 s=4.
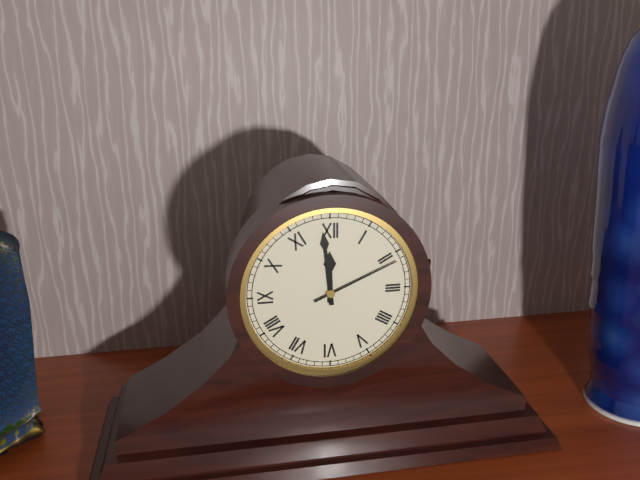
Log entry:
h=11 m=59 s=11
